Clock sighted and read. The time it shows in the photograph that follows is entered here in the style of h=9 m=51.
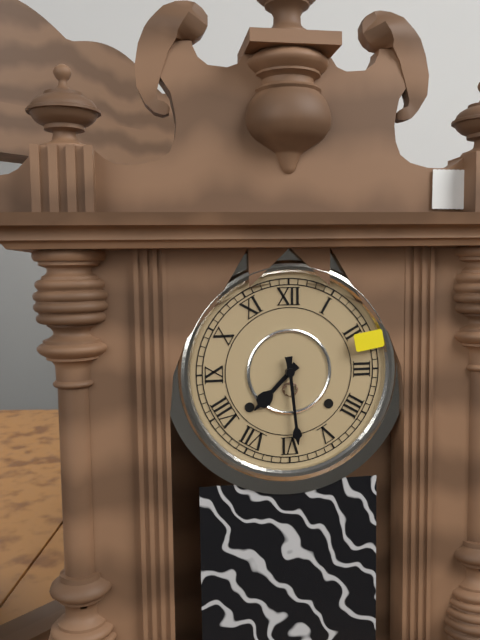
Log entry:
h=7 m=29
